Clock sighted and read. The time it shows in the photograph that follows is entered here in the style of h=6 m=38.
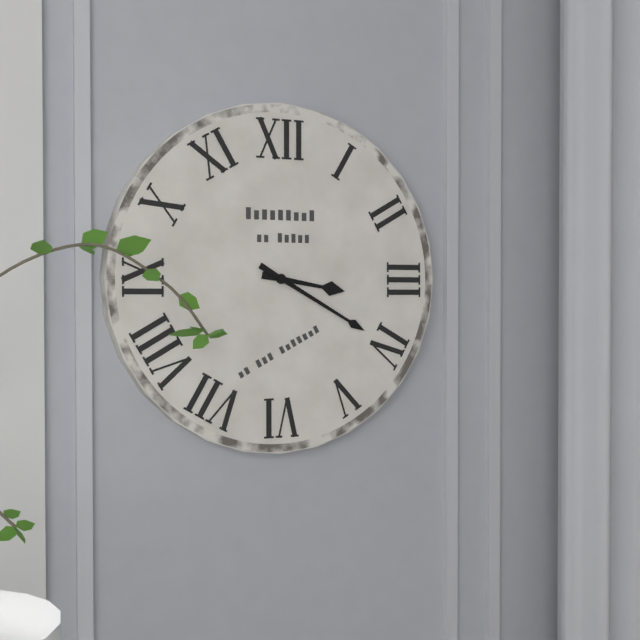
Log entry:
h=3 m=20
